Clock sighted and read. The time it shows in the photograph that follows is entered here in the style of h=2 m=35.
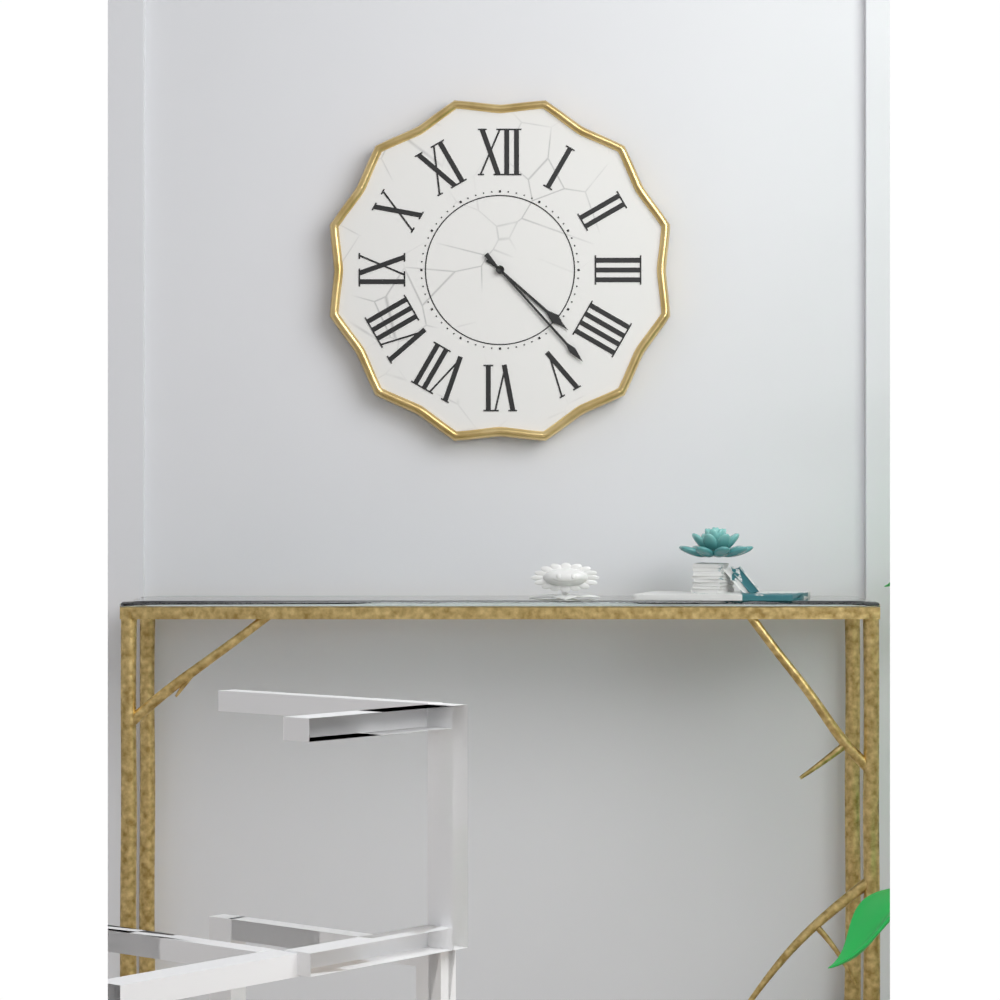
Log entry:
h=4 m=23
